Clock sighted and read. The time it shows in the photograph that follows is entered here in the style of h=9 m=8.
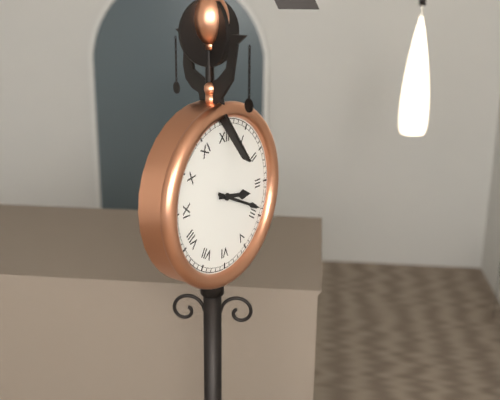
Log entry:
h=3 m=19
